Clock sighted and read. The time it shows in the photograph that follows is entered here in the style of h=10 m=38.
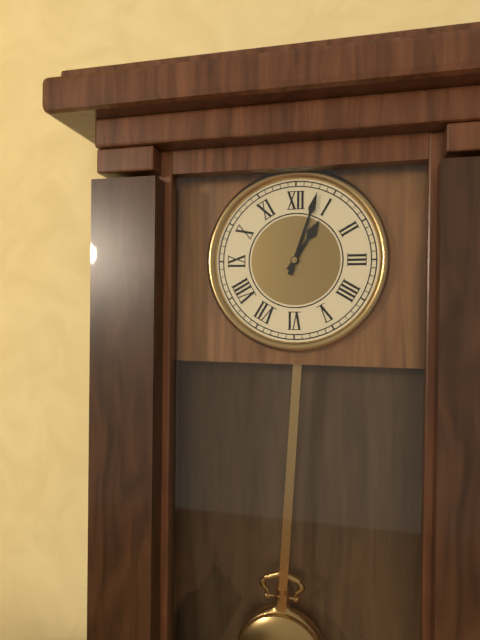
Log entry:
h=1 m=3
